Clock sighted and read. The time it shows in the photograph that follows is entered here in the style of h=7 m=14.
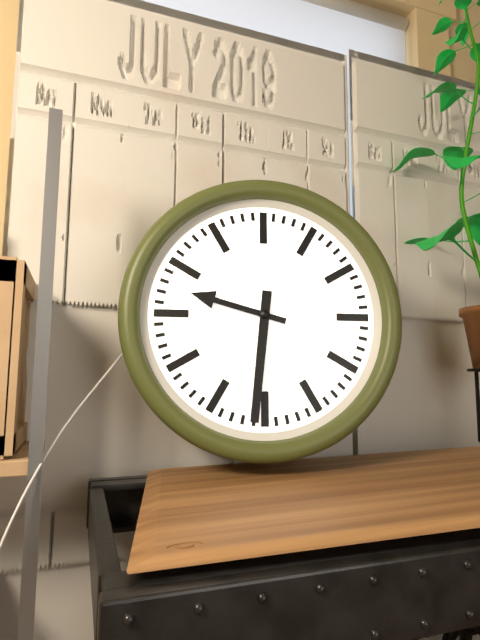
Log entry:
h=9 m=31
